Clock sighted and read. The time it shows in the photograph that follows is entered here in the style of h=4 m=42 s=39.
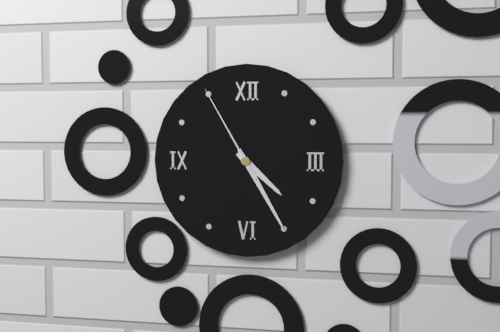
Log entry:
h=4 m=25 s=55
